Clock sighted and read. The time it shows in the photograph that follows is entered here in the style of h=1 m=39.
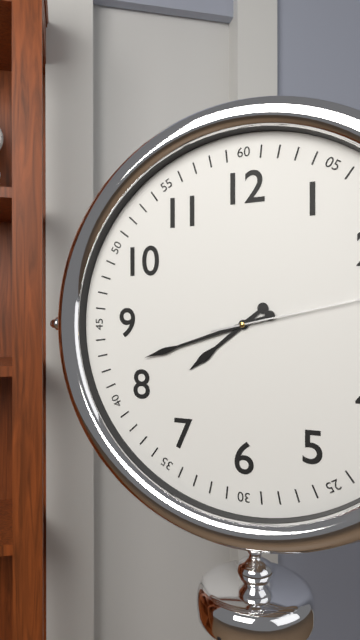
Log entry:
h=7 m=42
